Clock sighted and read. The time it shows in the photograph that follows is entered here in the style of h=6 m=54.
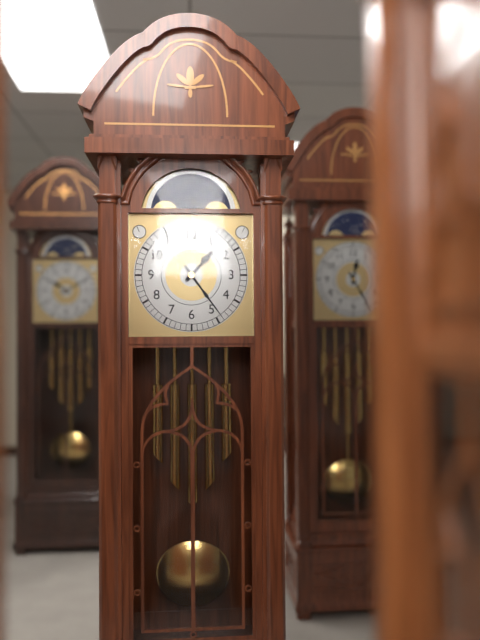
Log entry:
h=1 m=24
